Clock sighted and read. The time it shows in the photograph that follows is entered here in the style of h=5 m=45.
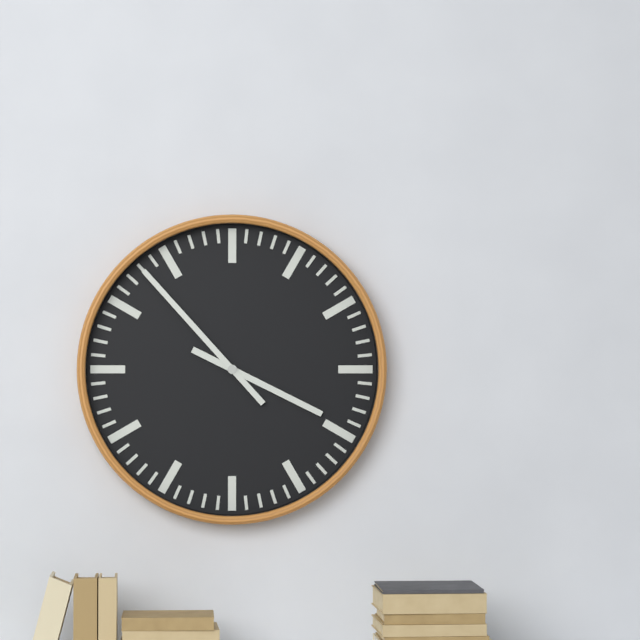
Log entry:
h=3 m=53
